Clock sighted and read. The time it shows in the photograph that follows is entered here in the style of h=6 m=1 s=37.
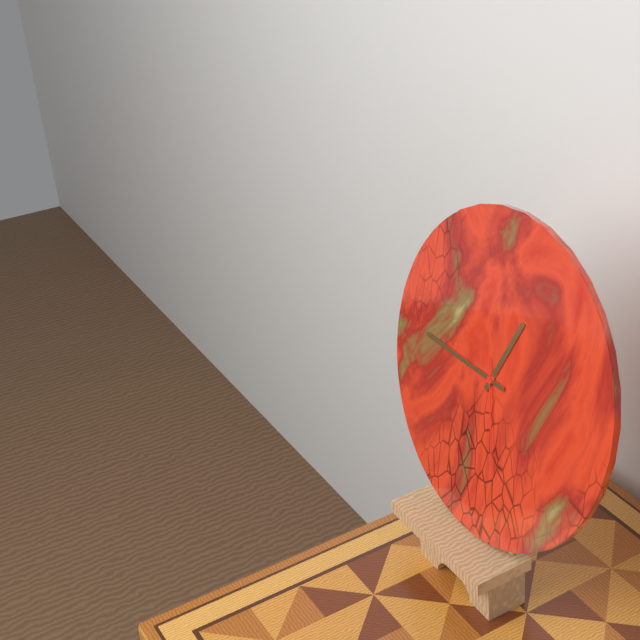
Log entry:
h=12 m=45 s=27
